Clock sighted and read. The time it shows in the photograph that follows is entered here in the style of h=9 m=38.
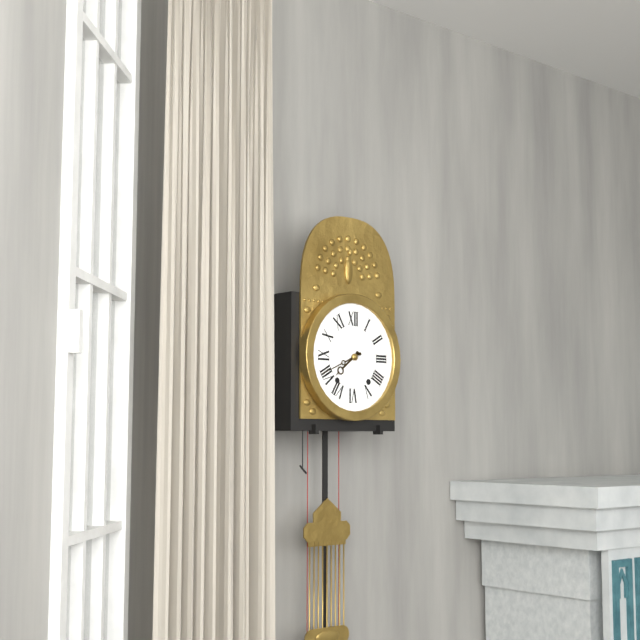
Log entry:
h=7 m=41
